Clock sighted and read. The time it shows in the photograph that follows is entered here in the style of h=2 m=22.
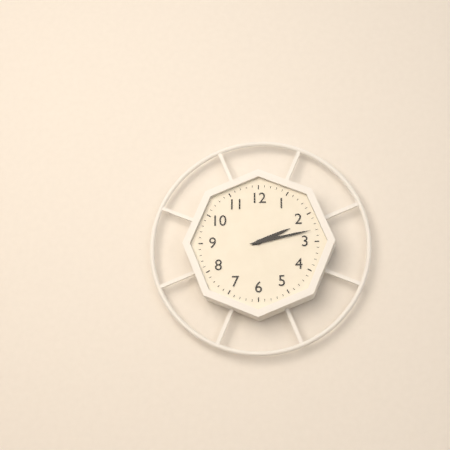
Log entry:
h=2 m=13
